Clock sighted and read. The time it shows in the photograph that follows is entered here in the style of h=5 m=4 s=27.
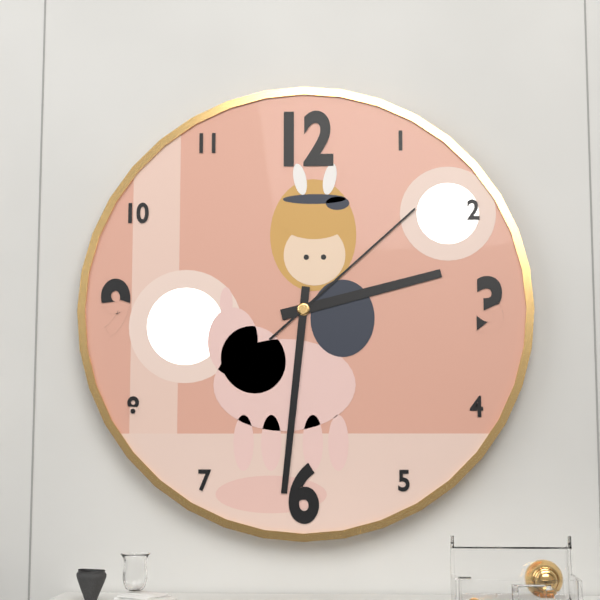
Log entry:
h=2 m=31 s=8
